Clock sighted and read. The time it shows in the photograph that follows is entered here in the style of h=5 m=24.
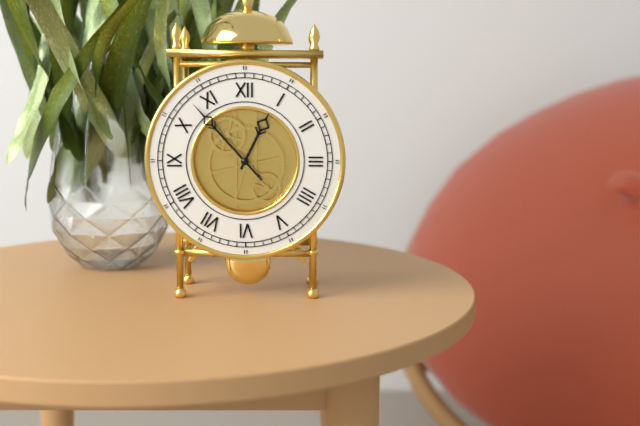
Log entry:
h=12 m=53
